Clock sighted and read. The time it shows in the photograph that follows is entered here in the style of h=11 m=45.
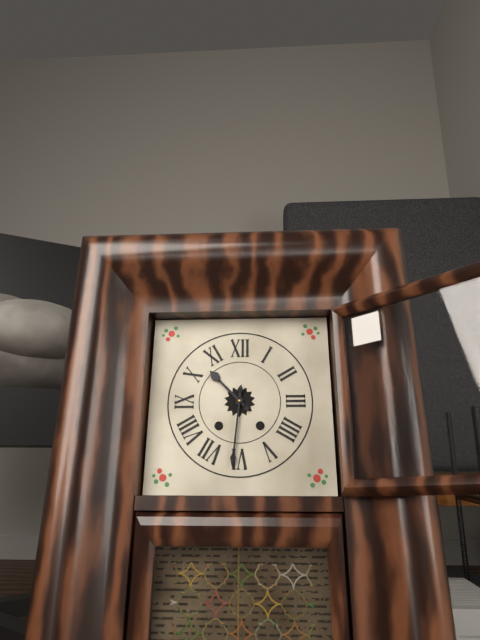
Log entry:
h=10 m=31
